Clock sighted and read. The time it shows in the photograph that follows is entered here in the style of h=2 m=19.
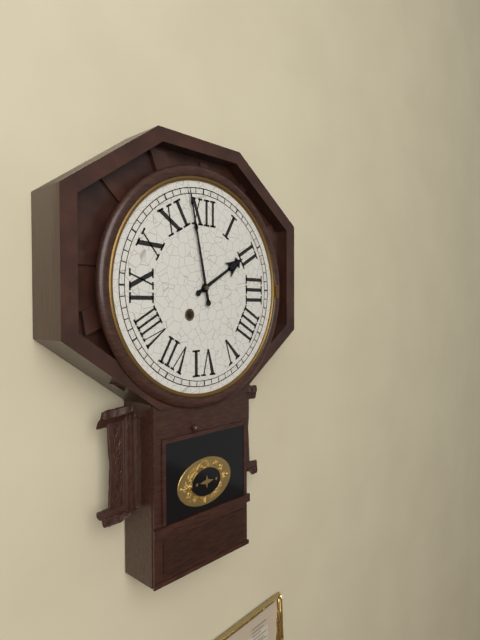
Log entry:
h=1 m=58
